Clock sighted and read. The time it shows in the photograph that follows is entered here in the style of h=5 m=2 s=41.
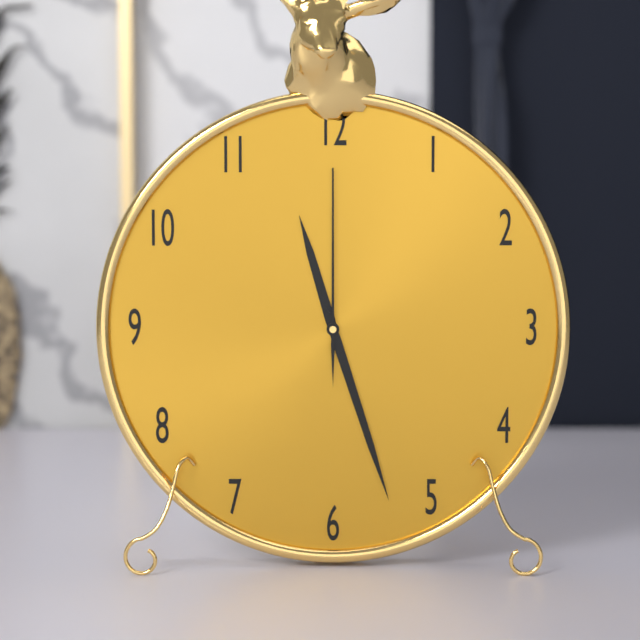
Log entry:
h=11 m=27 s=0
